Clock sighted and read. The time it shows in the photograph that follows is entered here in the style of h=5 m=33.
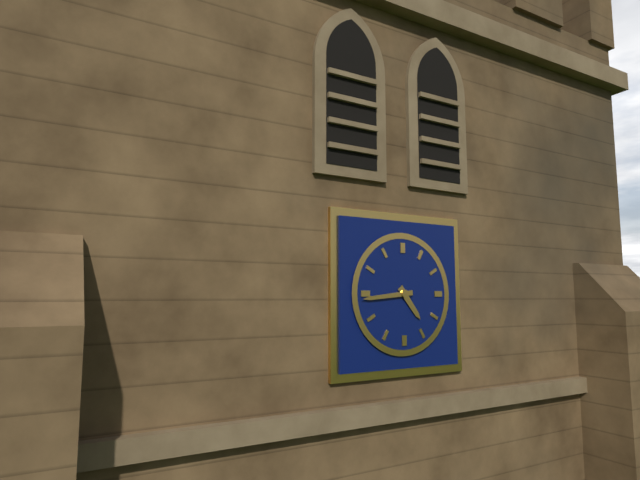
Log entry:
h=4 m=44
